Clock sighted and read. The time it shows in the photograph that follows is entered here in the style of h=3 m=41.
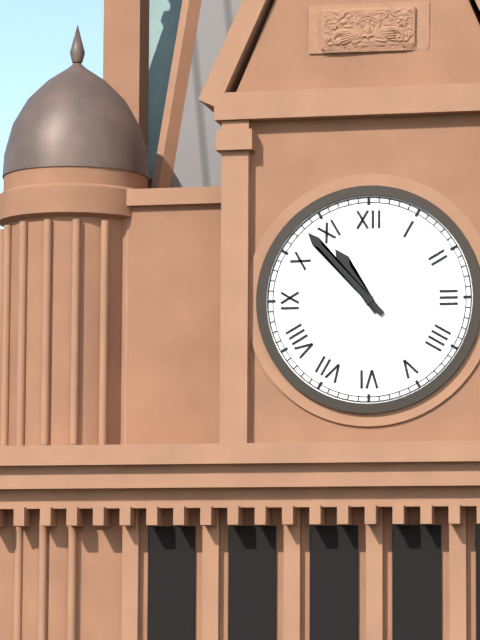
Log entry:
h=10 m=53
